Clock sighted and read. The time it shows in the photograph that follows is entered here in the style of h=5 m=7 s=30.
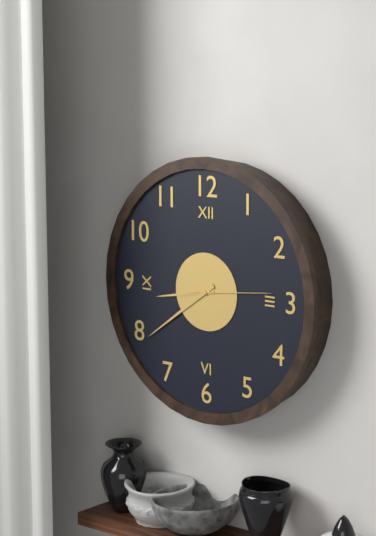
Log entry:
h=8 m=39 s=14
